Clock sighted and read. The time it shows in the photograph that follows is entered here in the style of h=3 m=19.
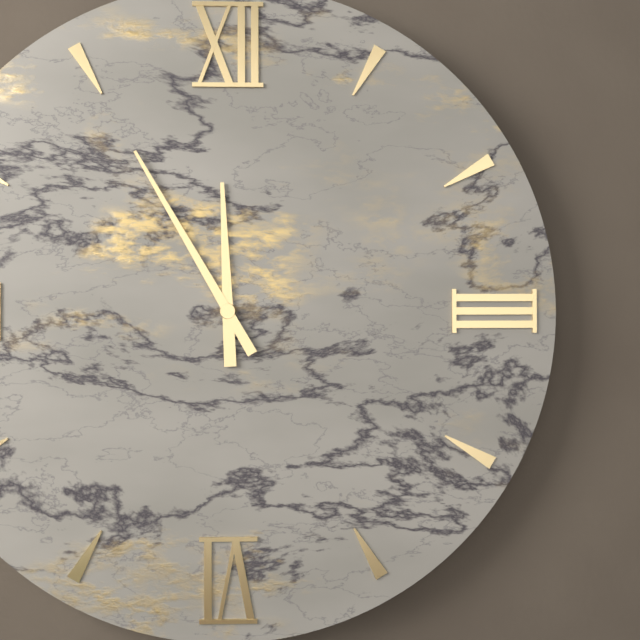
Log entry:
h=11 m=55
